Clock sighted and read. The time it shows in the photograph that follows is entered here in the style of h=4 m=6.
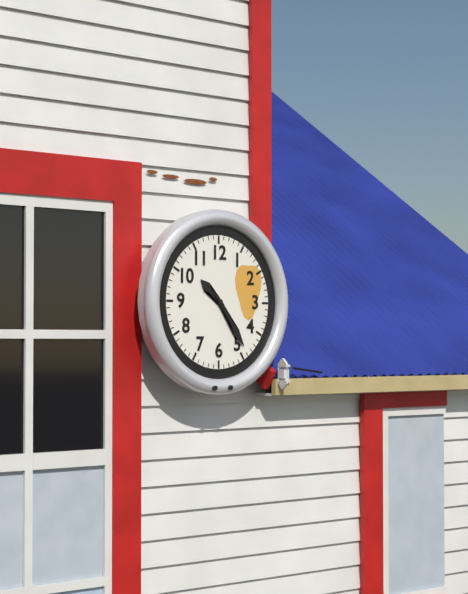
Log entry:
h=10 m=24
